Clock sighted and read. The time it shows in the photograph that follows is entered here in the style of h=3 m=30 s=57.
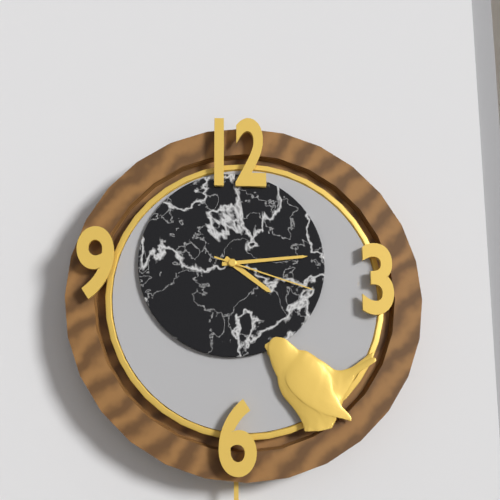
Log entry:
h=4 m=14 s=18
